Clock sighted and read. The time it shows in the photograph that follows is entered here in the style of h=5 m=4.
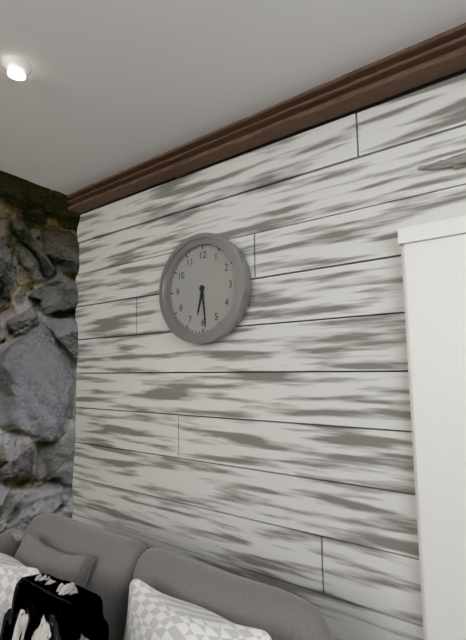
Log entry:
h=6 m=29
